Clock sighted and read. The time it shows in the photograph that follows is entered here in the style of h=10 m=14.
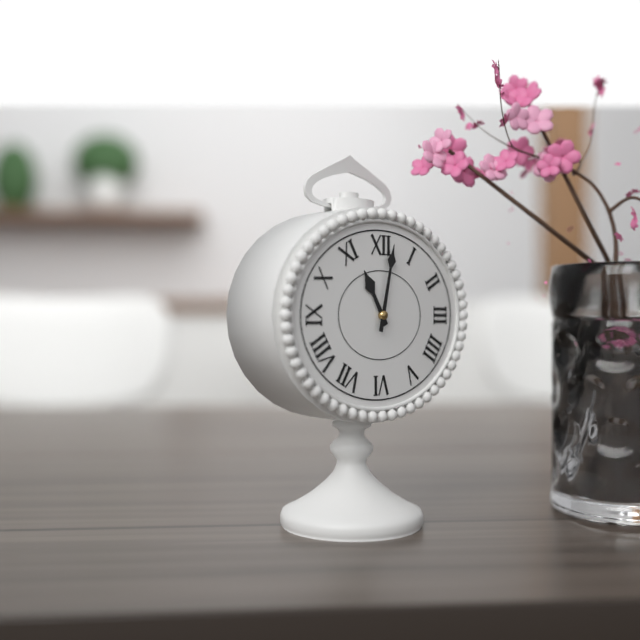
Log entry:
h=11 m=2
